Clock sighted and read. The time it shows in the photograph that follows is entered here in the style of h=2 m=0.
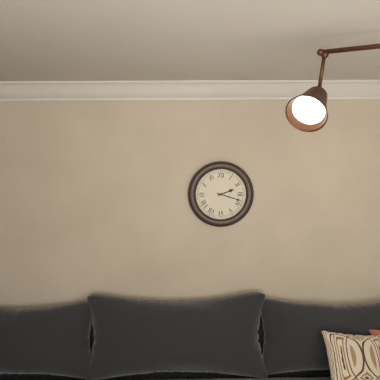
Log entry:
h=2 m=18
